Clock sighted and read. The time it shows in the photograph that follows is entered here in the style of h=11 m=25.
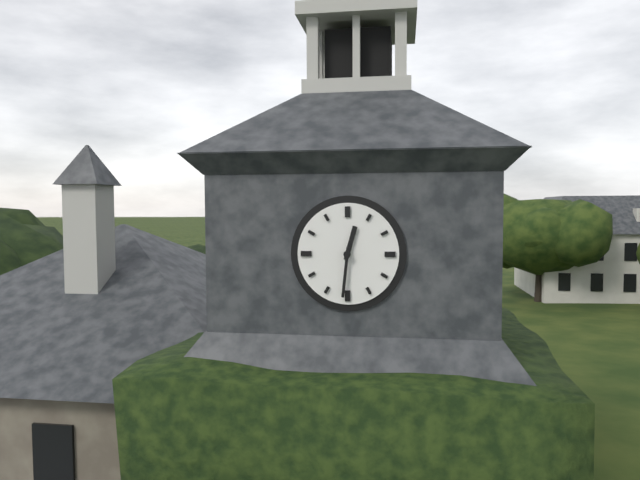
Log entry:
h=12 m=31
